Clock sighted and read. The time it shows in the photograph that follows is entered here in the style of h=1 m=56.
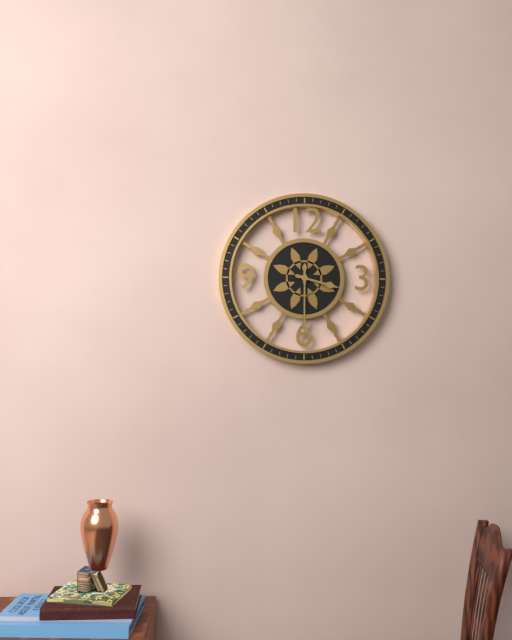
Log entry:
h=3 m=30
